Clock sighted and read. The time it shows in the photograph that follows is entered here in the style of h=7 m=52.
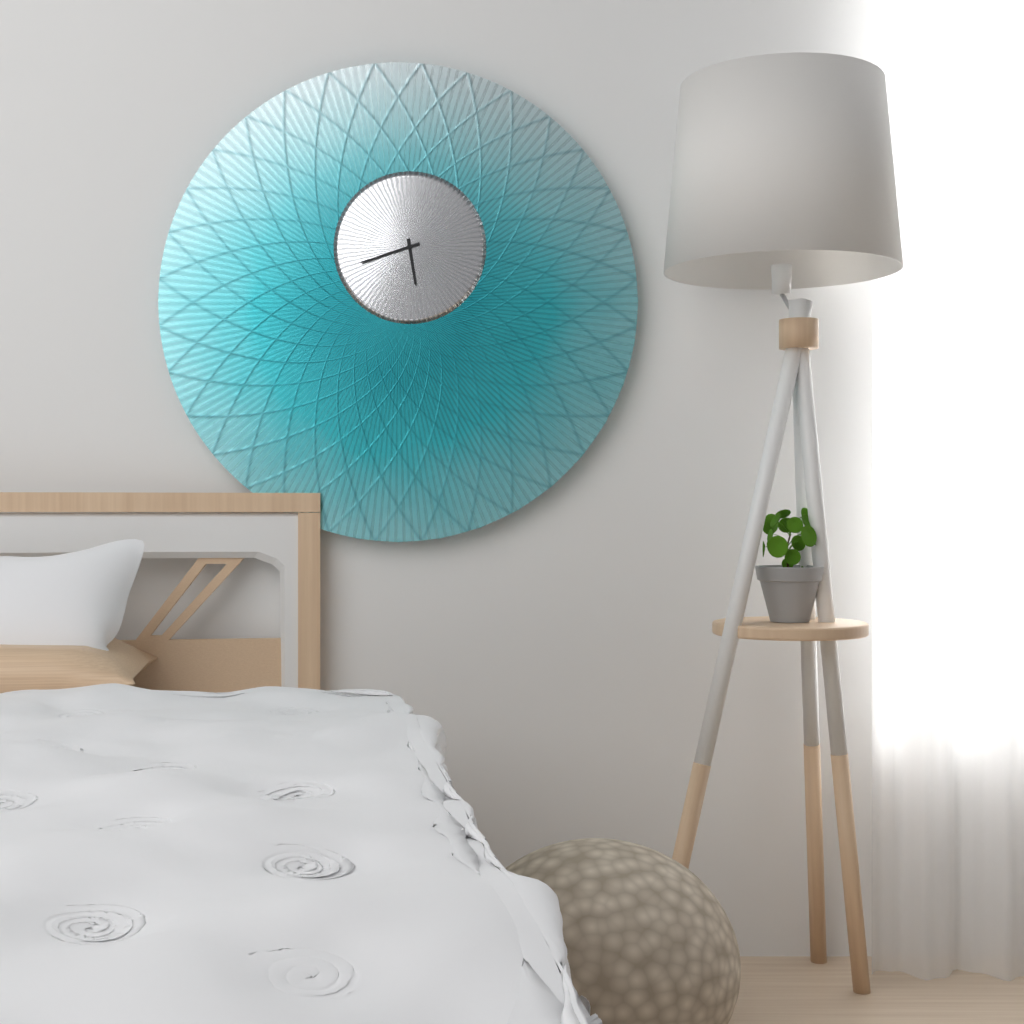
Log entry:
h=5 m=42
